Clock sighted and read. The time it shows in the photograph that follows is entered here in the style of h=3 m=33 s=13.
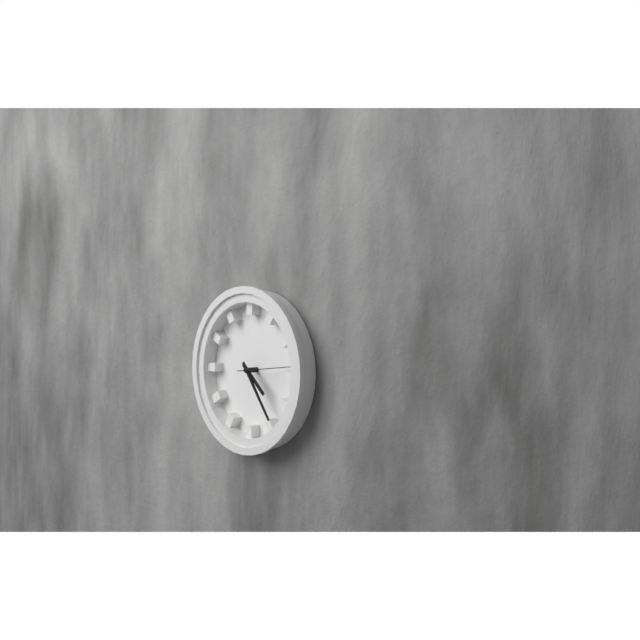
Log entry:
h=4 m=24 s=14
